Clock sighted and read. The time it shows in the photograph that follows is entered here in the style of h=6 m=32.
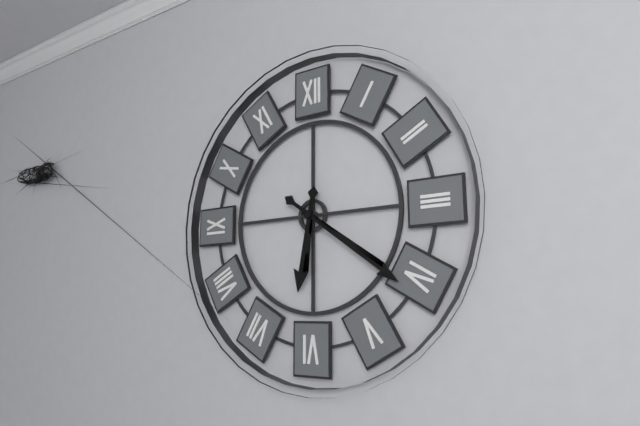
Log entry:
h=6 m=21
